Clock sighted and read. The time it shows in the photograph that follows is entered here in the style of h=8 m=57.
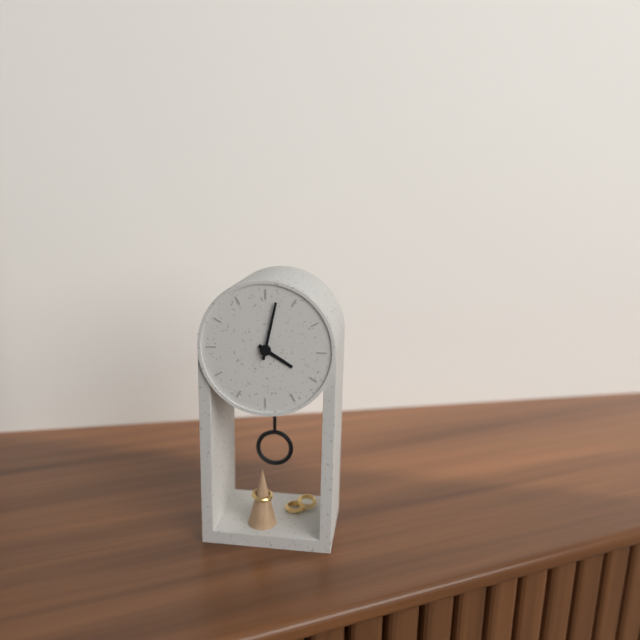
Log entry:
h=4 m=2
